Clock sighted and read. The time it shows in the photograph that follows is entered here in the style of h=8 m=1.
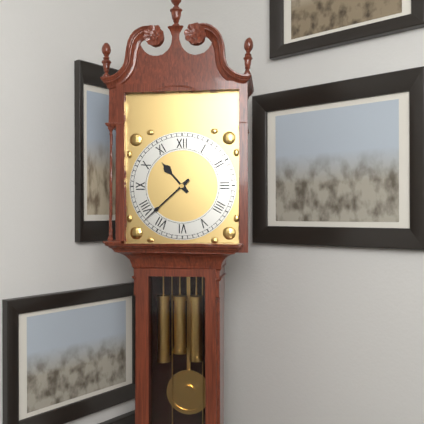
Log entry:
h=10 m=38
